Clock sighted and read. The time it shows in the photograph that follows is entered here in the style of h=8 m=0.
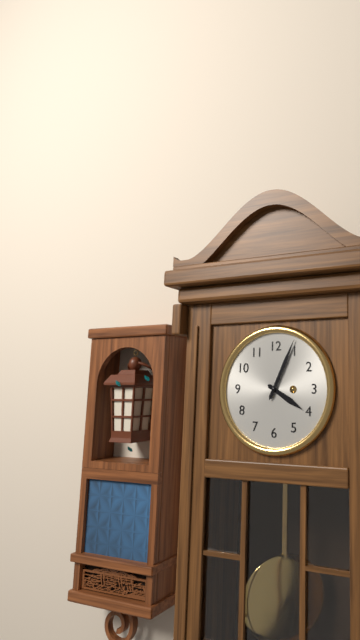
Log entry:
h=4 m=4
